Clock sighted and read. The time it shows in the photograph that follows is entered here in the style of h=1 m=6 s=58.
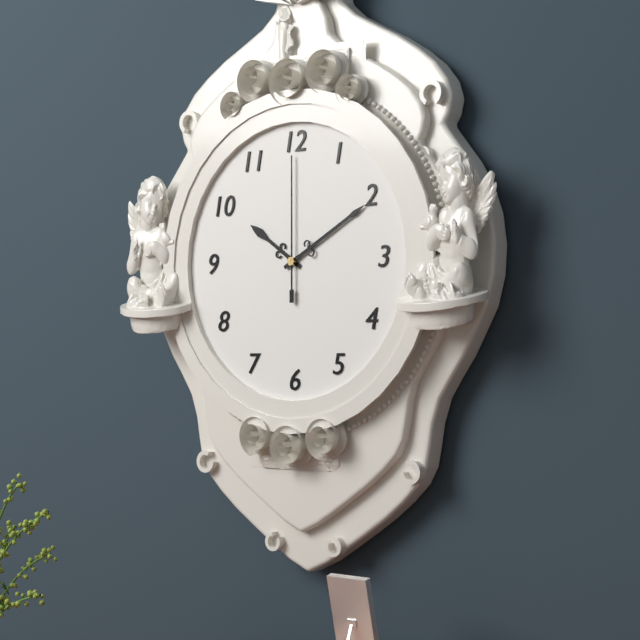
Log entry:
h=10 m=10 s=0
